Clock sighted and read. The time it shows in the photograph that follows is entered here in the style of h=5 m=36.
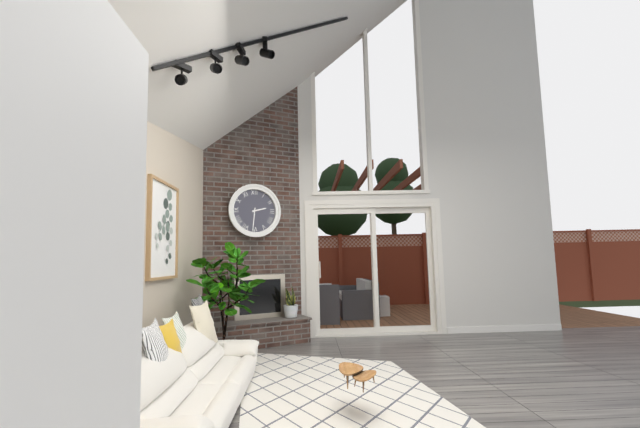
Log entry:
h=2 m=31
